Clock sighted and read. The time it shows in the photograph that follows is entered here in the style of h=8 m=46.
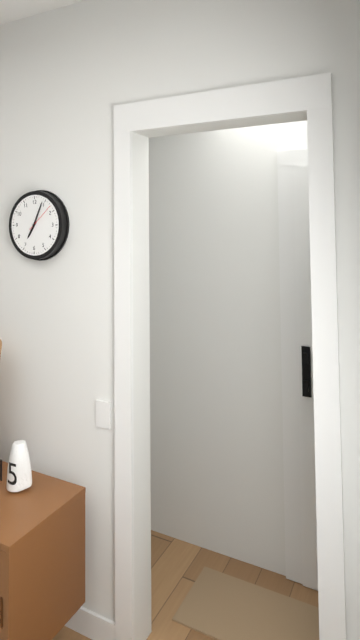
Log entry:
h=7 m=4
